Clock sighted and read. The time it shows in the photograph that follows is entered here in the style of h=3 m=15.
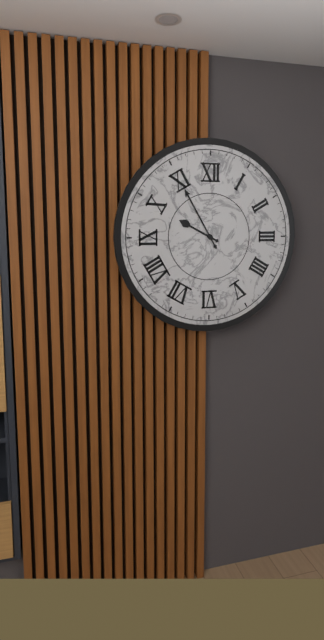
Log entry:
h=9 m=55
